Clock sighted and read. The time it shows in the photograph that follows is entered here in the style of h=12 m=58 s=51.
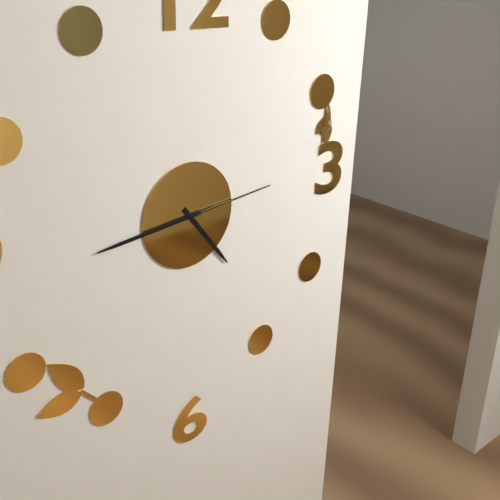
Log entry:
h=4 m=44 s=14
